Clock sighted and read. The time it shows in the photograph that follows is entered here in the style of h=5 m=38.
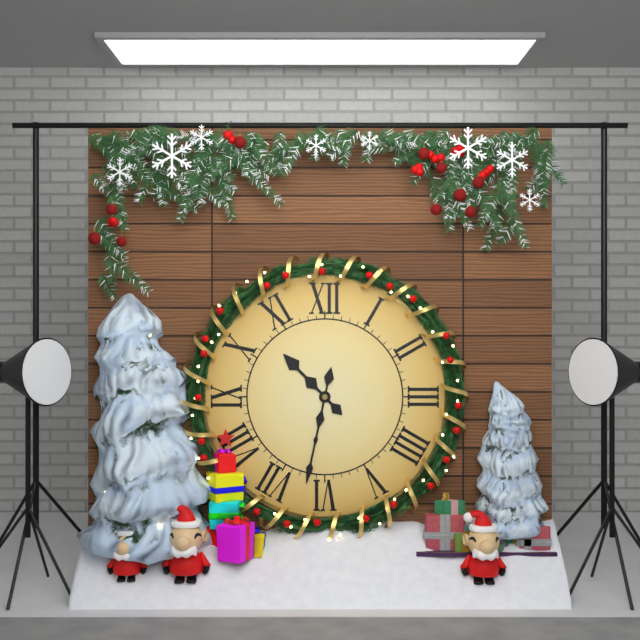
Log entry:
h=10 m=32
